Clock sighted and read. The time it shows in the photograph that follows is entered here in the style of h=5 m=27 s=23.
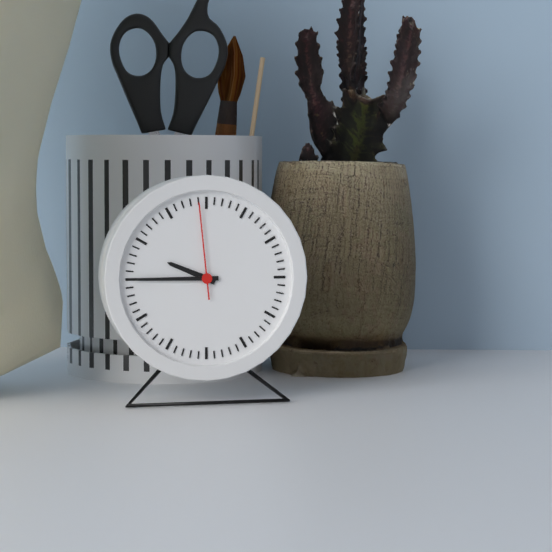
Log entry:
h=9 m=45 s=59
